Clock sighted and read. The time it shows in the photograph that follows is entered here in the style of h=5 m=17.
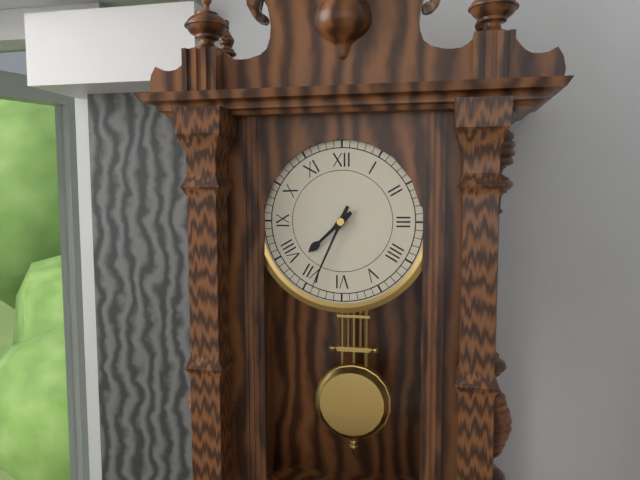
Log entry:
h=7 m=34
